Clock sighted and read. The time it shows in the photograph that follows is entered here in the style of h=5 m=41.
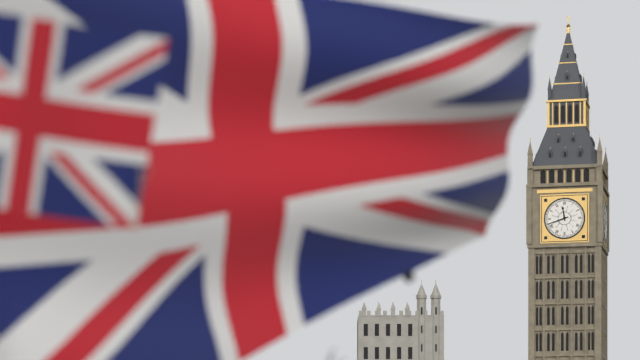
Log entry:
h=11 m=42
